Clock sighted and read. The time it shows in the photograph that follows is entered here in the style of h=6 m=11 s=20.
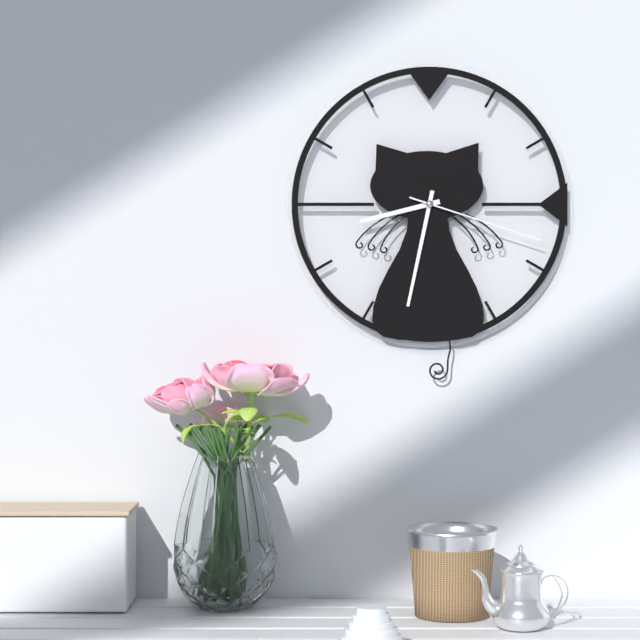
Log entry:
h=8 m=32 s=18
